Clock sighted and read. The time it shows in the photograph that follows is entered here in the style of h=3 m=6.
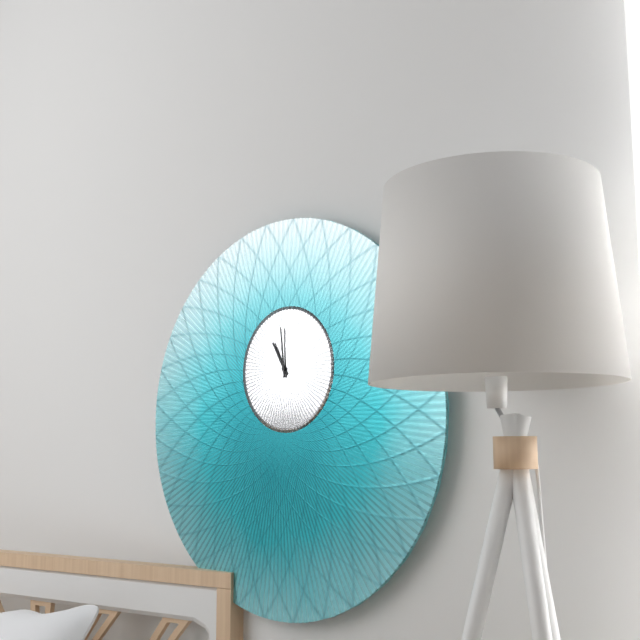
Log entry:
h=10 m=59
